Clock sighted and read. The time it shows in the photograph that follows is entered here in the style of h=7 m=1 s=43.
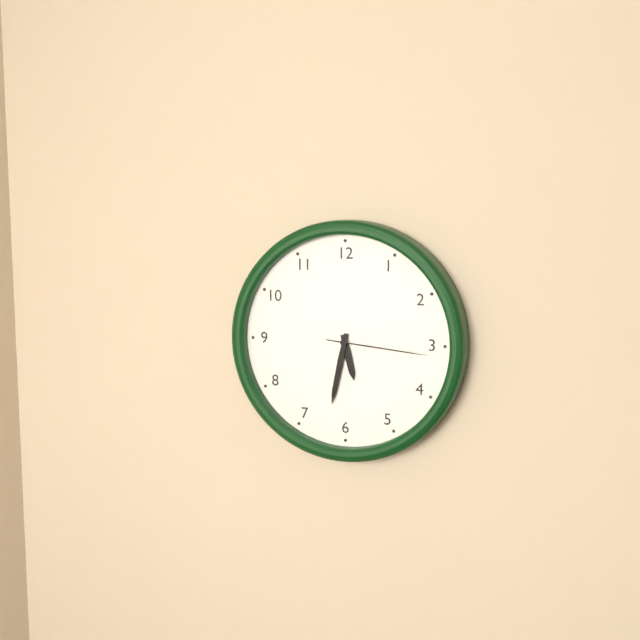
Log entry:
h=5 m=32 s=16
